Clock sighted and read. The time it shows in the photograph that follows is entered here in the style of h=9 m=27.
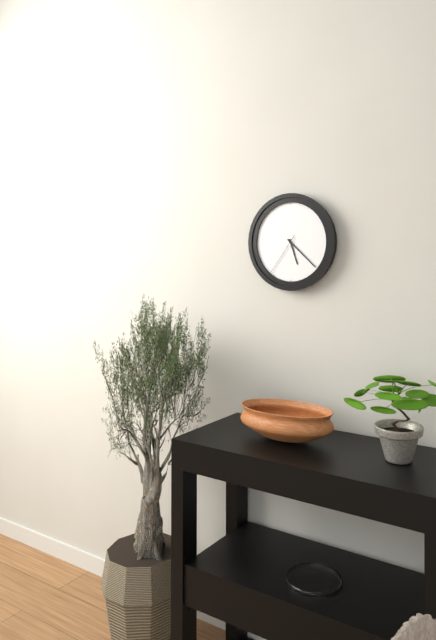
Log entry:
h=5 m=22
